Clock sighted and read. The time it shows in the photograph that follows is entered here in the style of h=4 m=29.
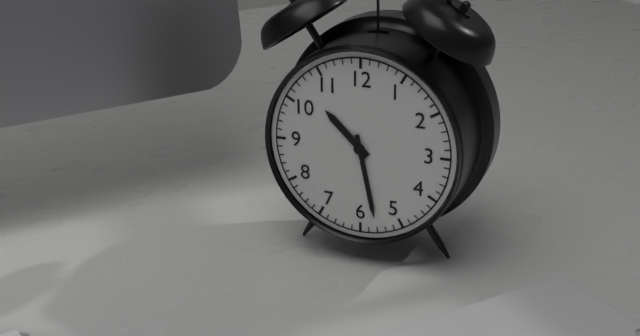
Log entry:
h=10 m=28
